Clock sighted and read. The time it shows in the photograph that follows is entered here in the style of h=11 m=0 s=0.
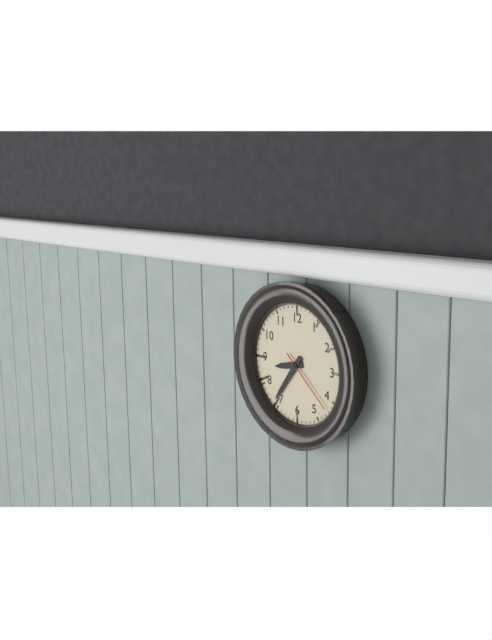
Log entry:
h=8 m=36 s=22
